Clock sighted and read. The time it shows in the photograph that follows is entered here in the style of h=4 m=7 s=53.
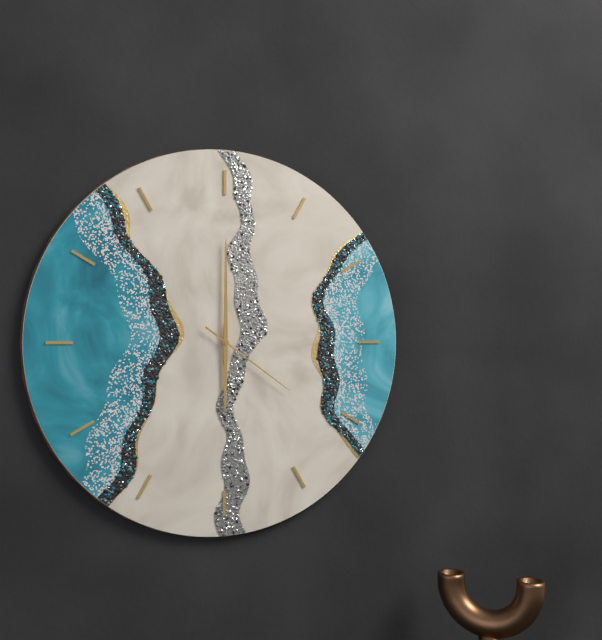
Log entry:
h=6 m=0 s=21
